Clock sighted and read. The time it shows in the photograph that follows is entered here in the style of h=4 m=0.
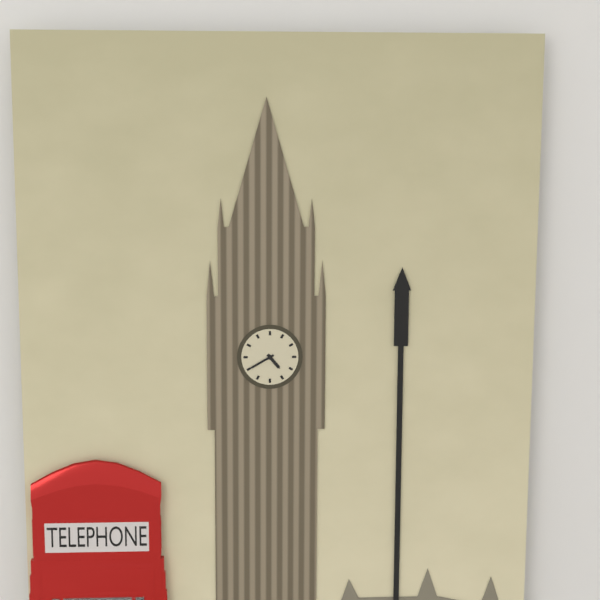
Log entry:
h=4 m=40
